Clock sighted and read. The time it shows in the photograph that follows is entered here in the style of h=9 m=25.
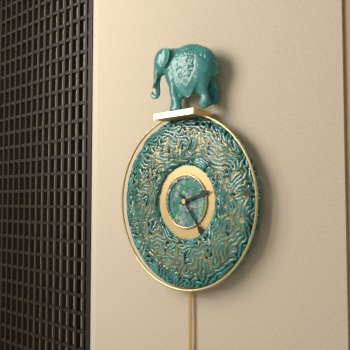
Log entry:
h=2 m=24
